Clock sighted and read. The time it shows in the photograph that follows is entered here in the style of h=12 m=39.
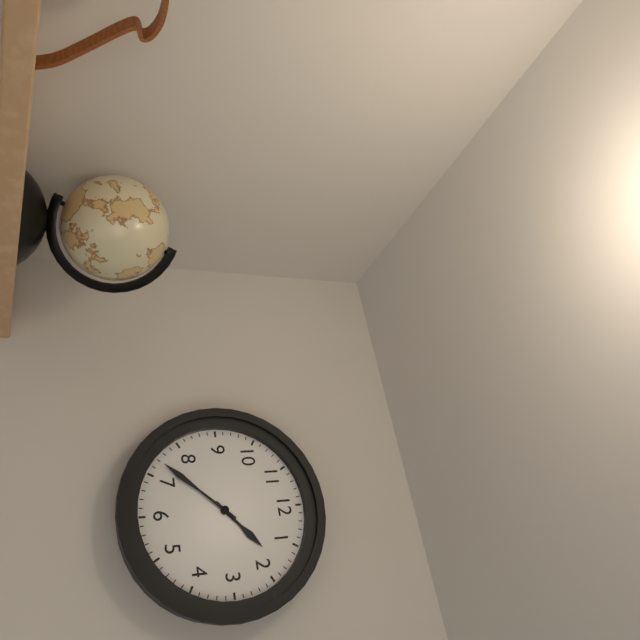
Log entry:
h=1 m=37
